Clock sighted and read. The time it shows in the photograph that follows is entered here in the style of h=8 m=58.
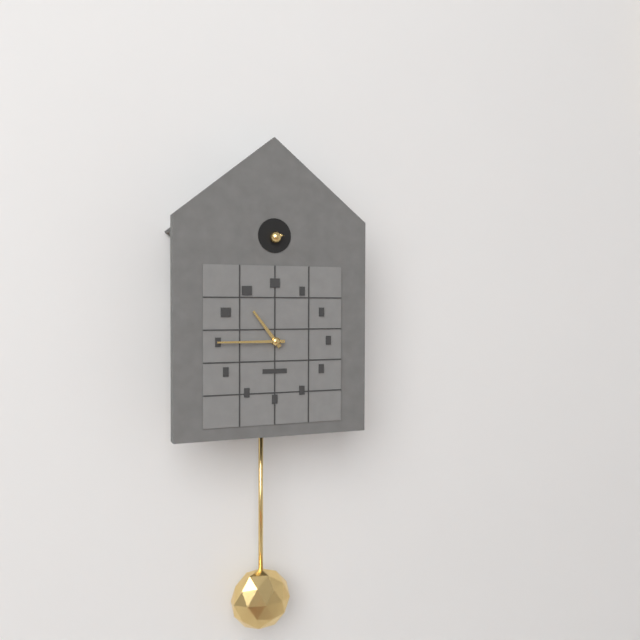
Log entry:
h=10 m=45
